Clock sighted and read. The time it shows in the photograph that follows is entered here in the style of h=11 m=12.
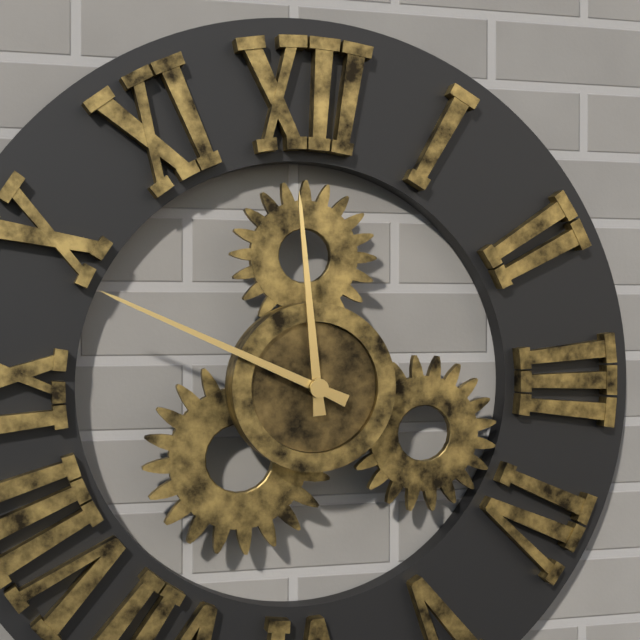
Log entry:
h=11 m=49
